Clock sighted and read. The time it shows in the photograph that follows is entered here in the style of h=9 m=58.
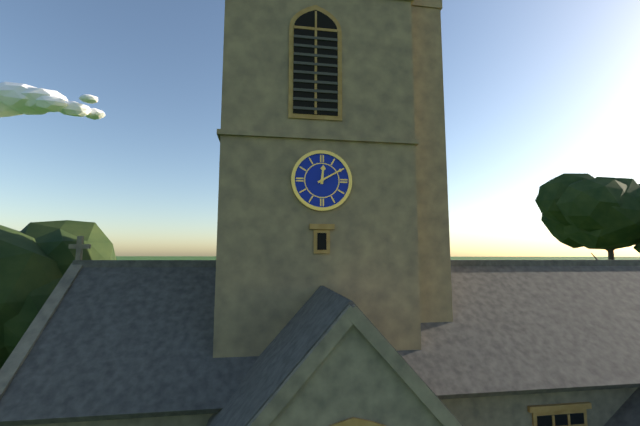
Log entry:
h=12 m=10
